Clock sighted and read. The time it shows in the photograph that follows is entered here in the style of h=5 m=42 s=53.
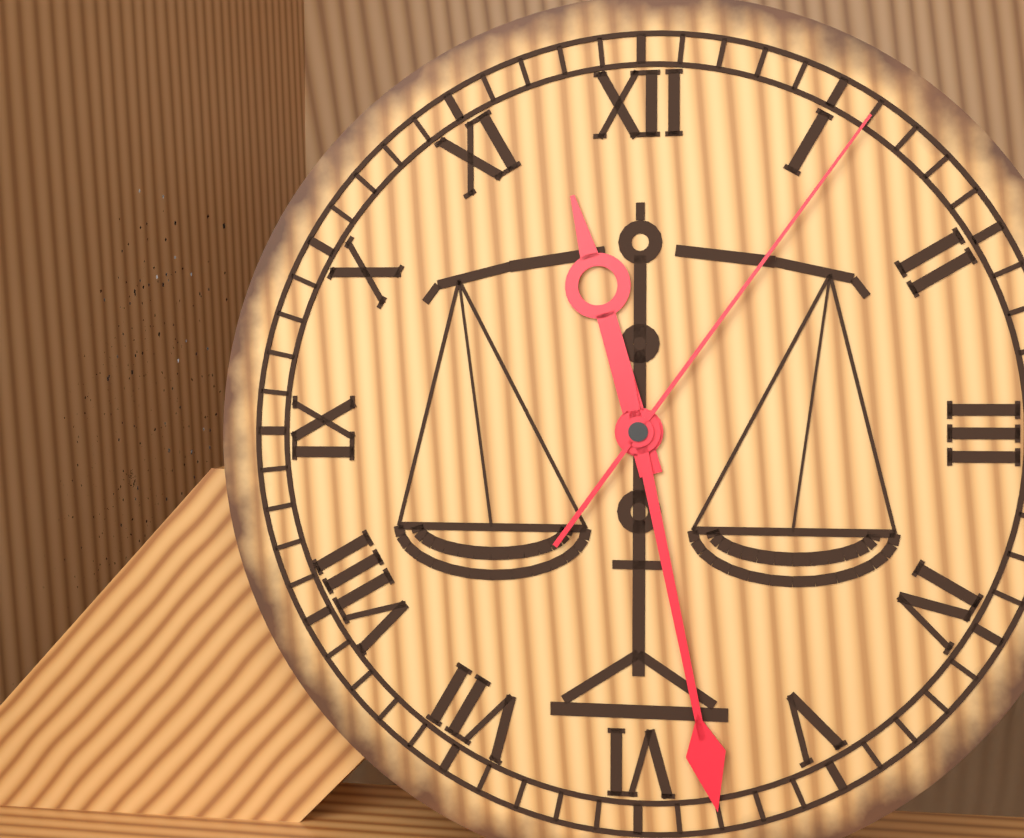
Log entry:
h=11 m=28 s=6
